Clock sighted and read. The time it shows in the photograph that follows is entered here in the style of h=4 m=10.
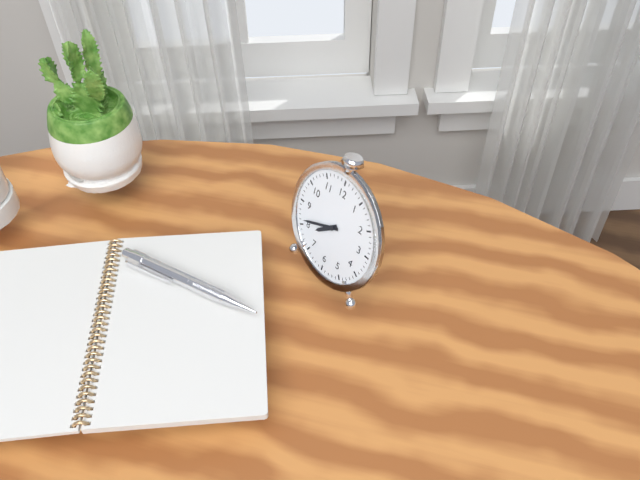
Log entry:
h=7 m=41
